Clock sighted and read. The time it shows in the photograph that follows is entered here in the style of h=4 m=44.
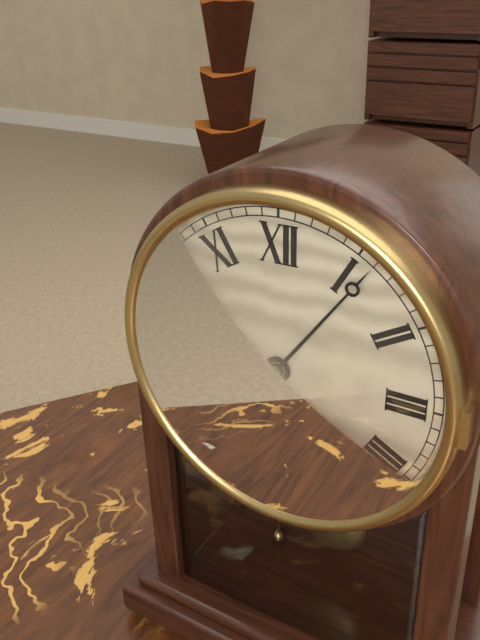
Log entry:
h=7 m=6
